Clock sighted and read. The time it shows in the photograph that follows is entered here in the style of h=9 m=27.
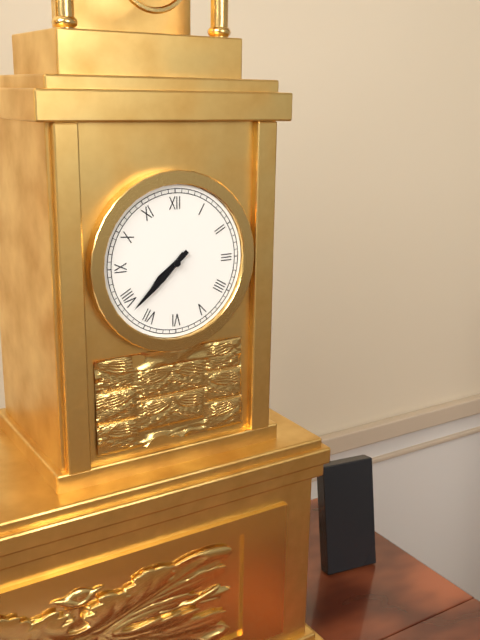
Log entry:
h=7 m=38
